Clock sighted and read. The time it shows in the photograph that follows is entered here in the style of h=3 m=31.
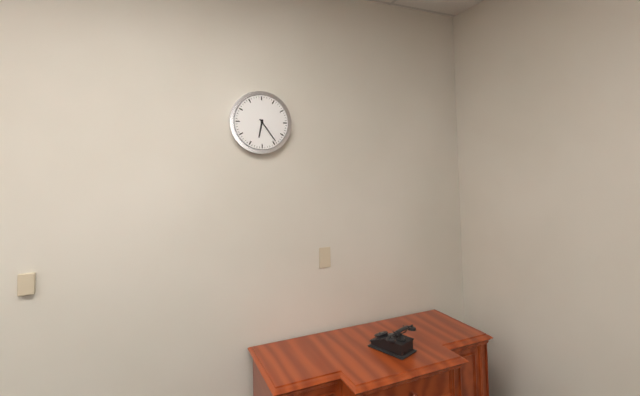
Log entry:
h=6 m=24
